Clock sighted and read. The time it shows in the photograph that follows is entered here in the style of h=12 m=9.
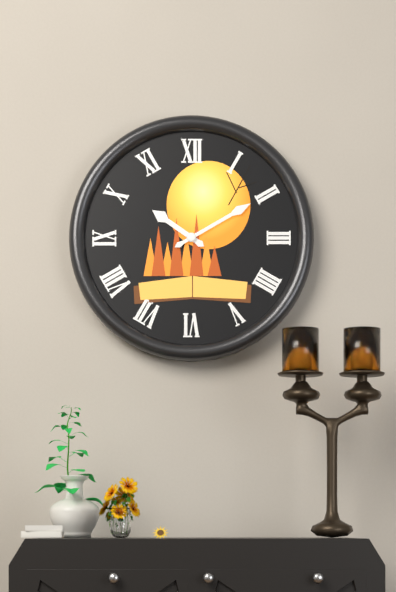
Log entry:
h=10 m=10
